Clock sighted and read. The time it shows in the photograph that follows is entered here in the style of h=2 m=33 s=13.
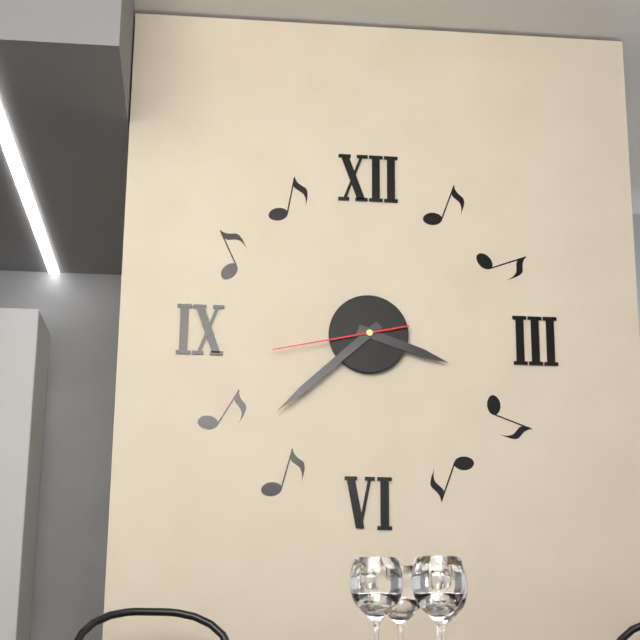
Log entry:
h=3 m=38 s=43
